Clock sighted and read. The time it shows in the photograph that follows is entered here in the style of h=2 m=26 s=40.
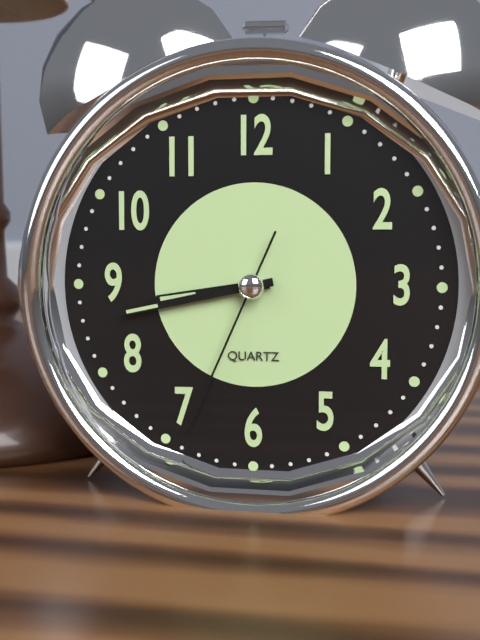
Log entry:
h=8 m=43 s=34
